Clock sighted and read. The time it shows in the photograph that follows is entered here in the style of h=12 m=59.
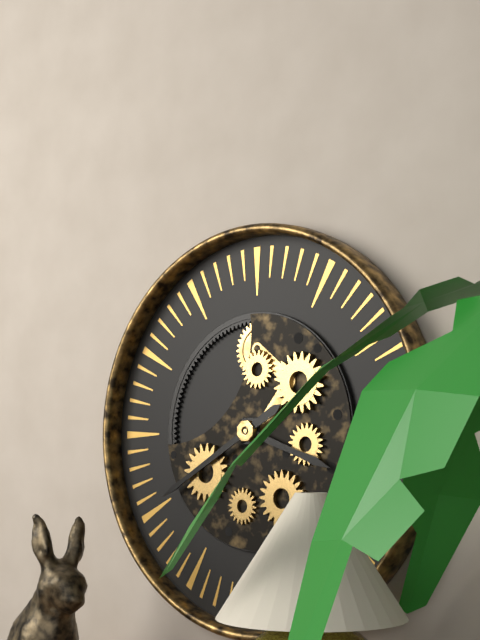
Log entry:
h=3 m=40
